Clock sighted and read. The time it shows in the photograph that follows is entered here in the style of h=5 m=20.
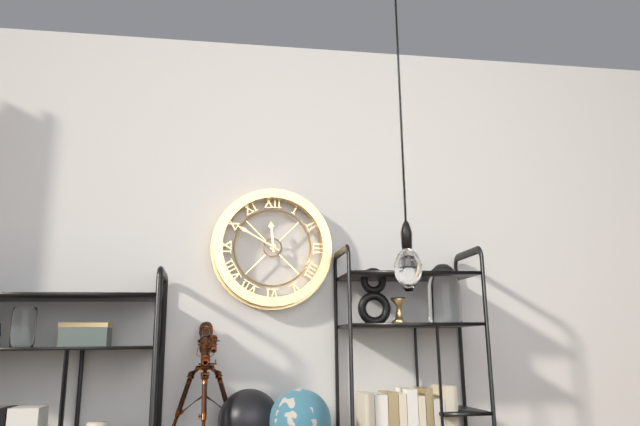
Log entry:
h=11 m=50
